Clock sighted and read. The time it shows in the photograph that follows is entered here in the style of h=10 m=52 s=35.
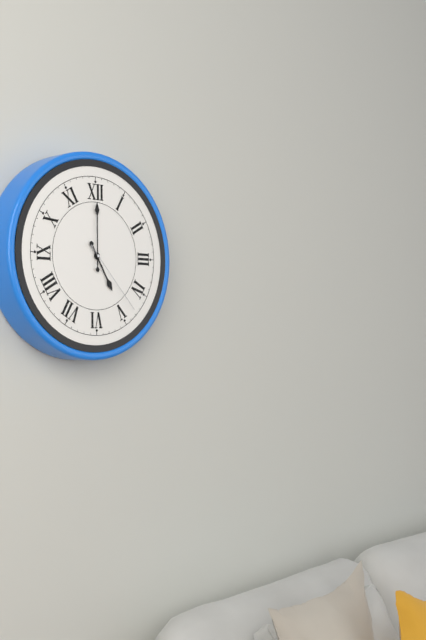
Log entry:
h=5 m=0 s=23
